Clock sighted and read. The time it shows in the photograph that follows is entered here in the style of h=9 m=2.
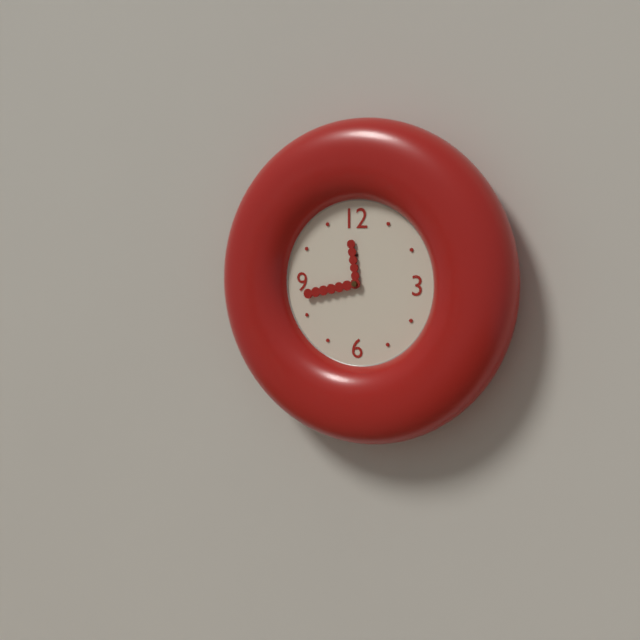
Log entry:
h=11 m=43
